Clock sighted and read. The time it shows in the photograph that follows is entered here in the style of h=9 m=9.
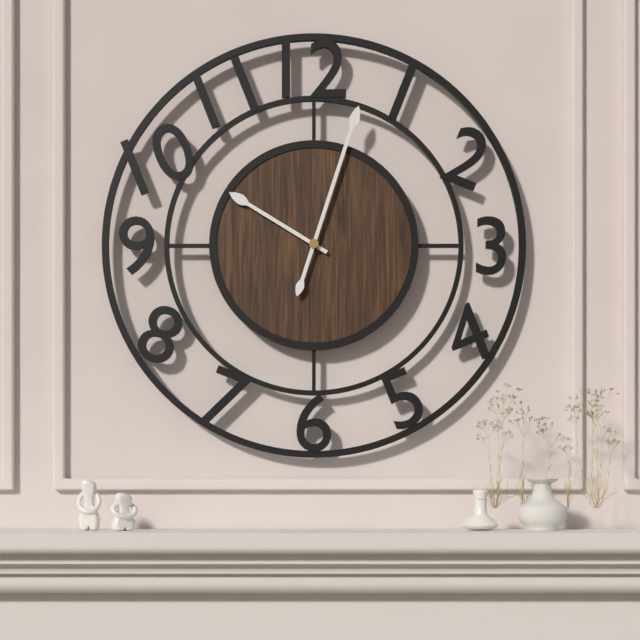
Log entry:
h=10 m=3
